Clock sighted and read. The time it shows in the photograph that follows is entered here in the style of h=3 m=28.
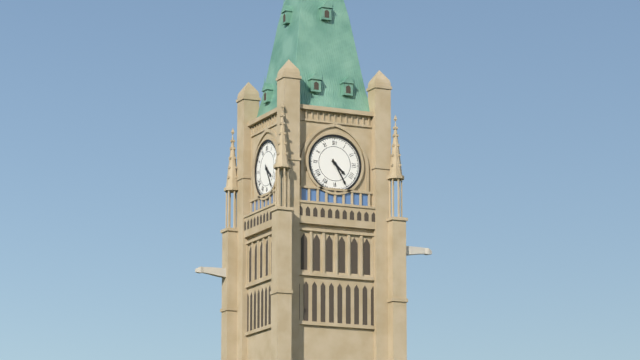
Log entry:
h=4 m=25
